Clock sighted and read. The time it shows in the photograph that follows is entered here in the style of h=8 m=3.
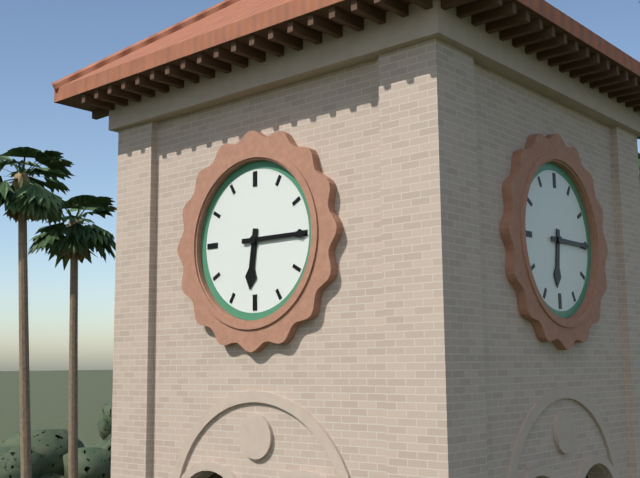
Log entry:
h=6 m=15
